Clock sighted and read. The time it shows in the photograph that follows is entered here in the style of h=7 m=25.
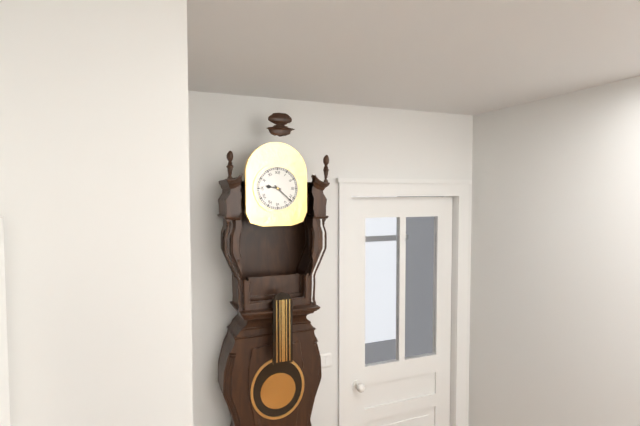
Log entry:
h=9 m=22
